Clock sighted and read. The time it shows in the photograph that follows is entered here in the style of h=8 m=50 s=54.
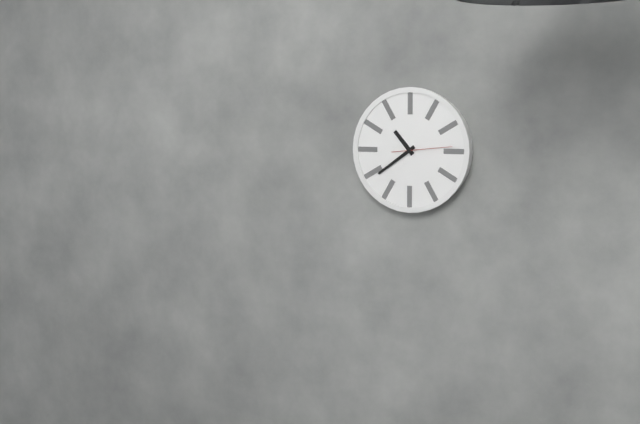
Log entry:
h=10 m=39 s=14
